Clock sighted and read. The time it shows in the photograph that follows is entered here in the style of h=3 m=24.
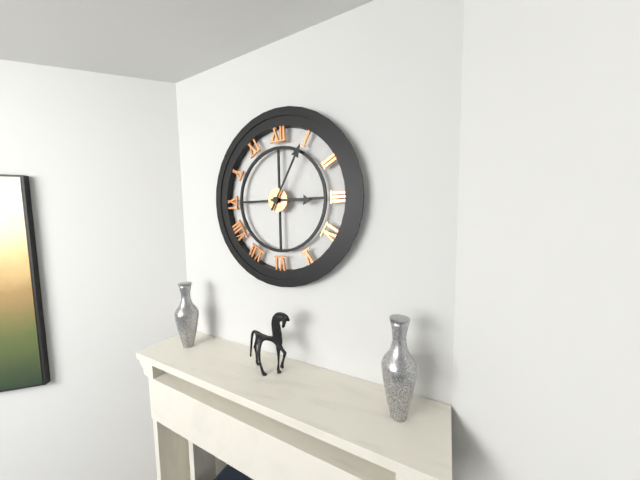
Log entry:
h=3 m=5
